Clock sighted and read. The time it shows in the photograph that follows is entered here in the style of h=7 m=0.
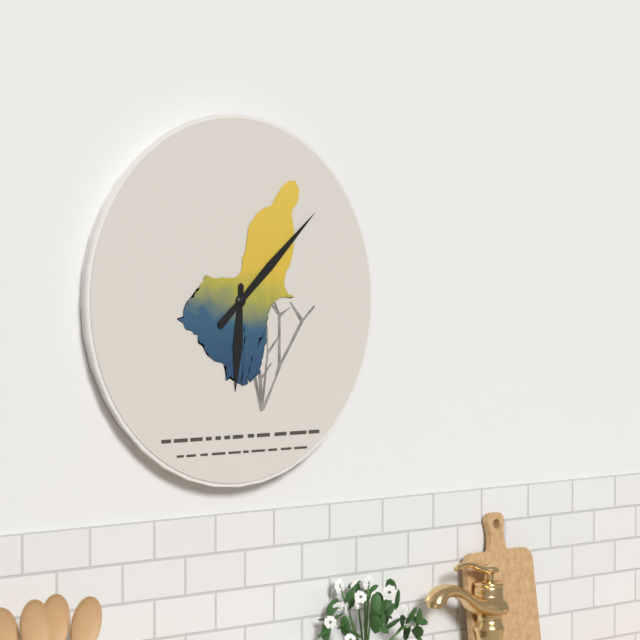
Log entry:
h=6 m=8
